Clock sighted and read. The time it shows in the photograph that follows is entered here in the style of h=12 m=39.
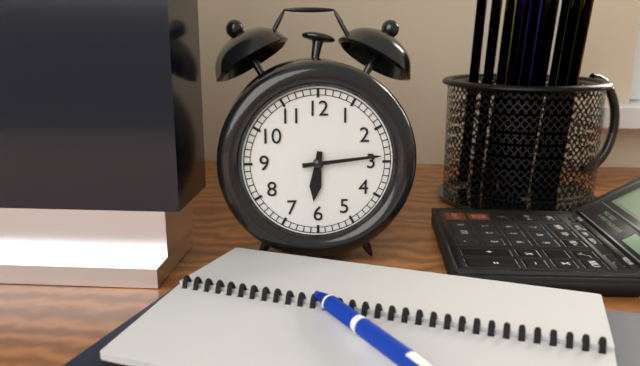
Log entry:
h=6 m=14
